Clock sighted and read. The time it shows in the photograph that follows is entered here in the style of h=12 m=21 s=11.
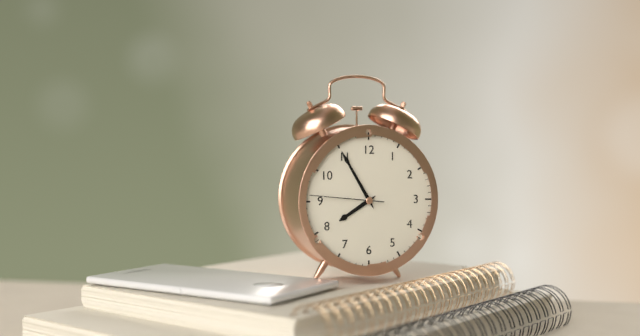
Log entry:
h=7 m=55 s=46
